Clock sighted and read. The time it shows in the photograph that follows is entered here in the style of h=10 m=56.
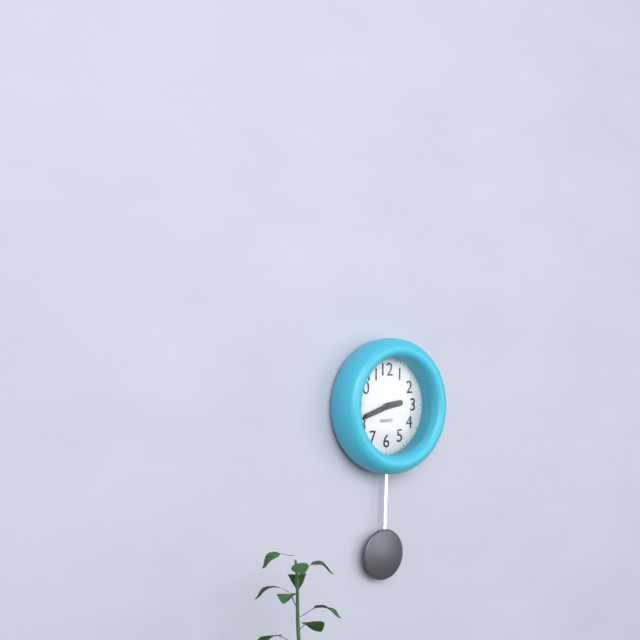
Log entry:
h=2 m=42
